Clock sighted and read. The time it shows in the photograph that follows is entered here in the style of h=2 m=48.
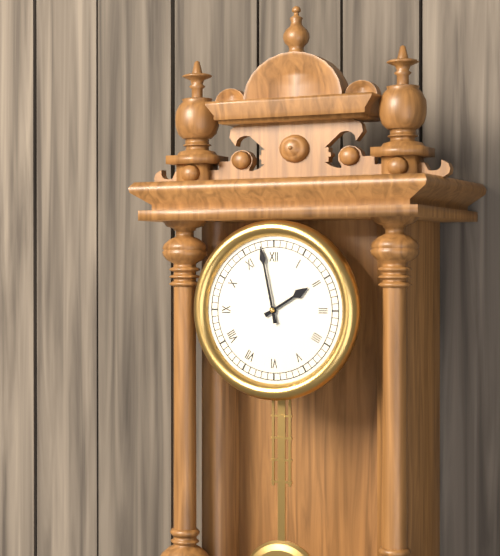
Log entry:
h=1 m=58
